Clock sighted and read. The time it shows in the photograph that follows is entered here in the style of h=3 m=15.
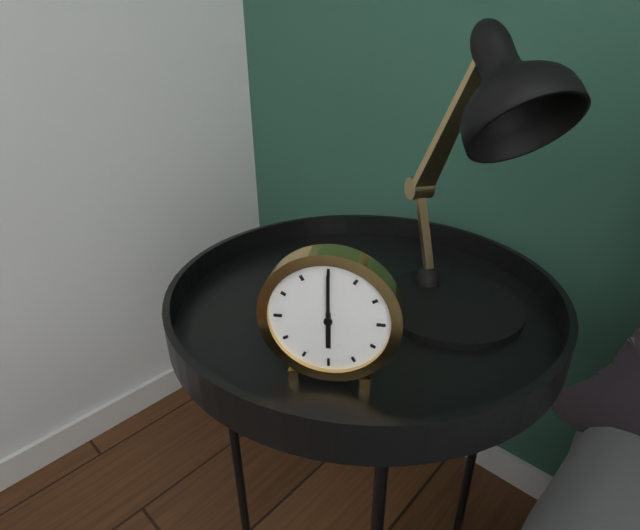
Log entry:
h=6 m=0
